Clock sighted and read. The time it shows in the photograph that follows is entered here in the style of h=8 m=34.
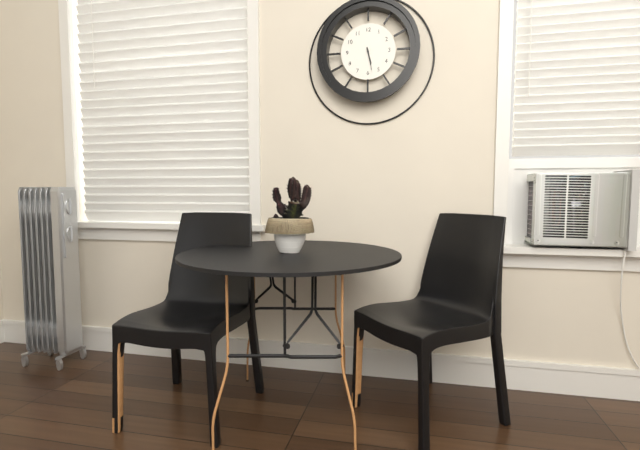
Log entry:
h=5 m=28
